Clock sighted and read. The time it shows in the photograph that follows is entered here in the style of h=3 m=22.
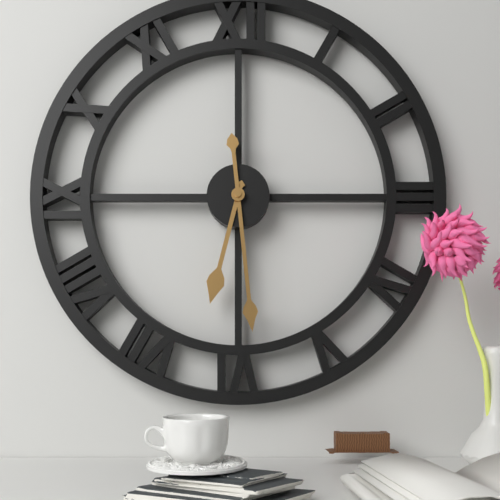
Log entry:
h=6 m=29
